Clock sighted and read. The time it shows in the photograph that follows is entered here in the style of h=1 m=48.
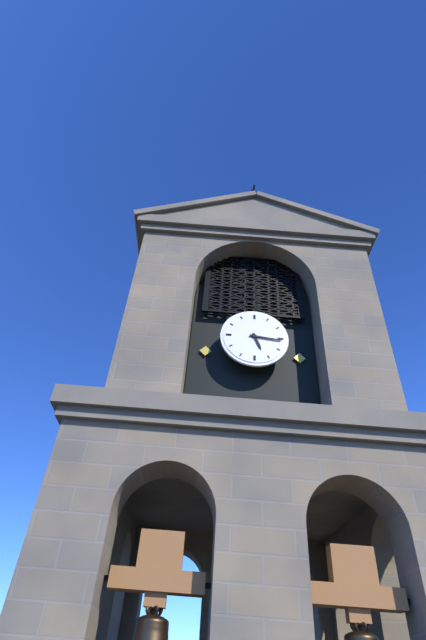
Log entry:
h=5 m=16
